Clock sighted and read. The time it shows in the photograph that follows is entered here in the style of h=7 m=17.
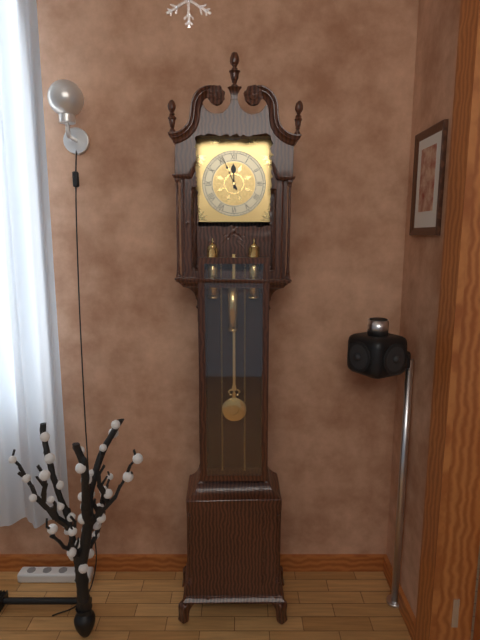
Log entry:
h=11 m=56
